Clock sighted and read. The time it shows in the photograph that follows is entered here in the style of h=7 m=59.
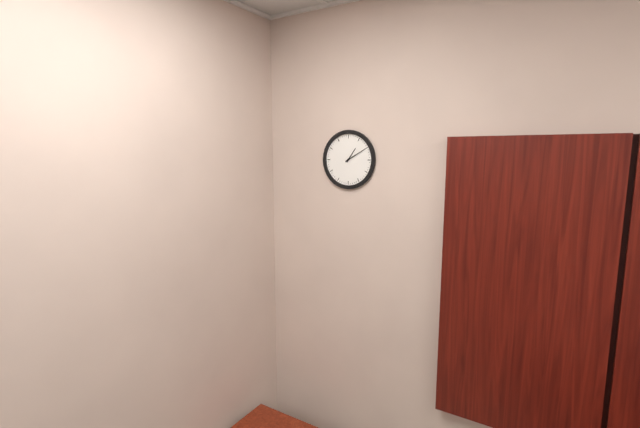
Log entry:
h=1 m=10
